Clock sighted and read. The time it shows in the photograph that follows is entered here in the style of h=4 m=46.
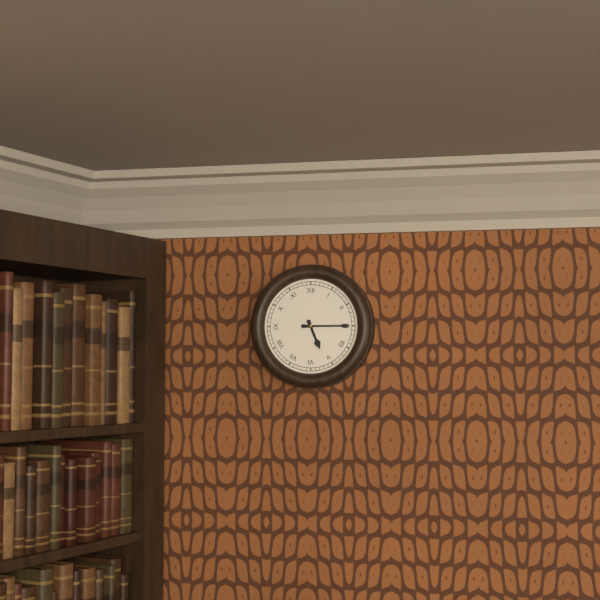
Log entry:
h=5 m=15
